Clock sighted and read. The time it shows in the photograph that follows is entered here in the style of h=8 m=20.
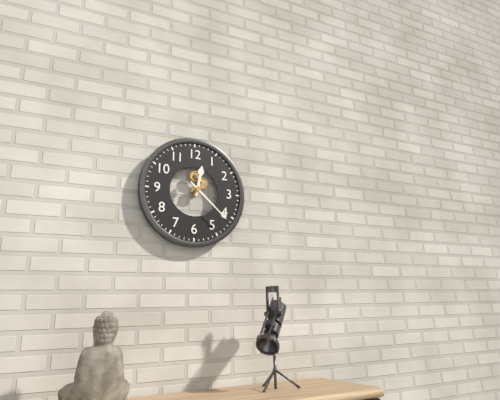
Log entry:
h=12 m=22
